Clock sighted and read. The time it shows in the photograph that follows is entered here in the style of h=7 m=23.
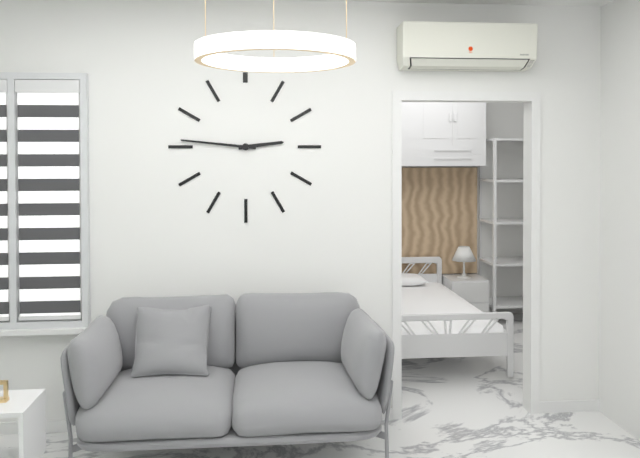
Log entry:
h=2 m=46
